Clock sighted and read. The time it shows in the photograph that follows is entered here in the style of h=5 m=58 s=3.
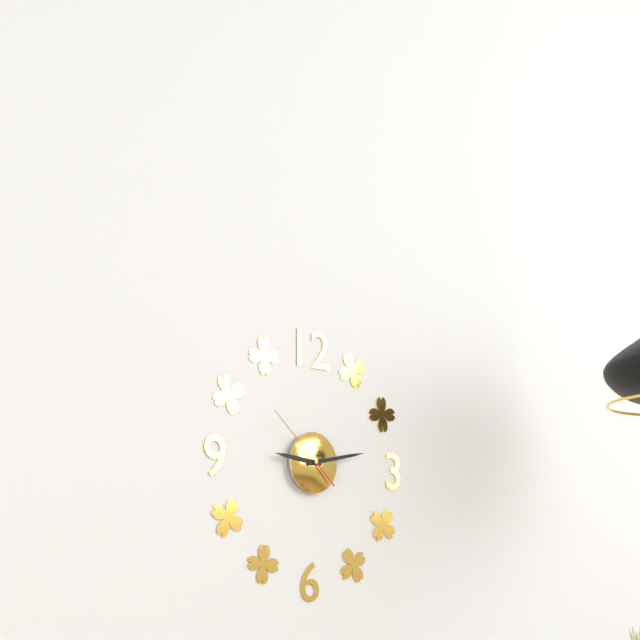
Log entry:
h=9 m=13 s=52
